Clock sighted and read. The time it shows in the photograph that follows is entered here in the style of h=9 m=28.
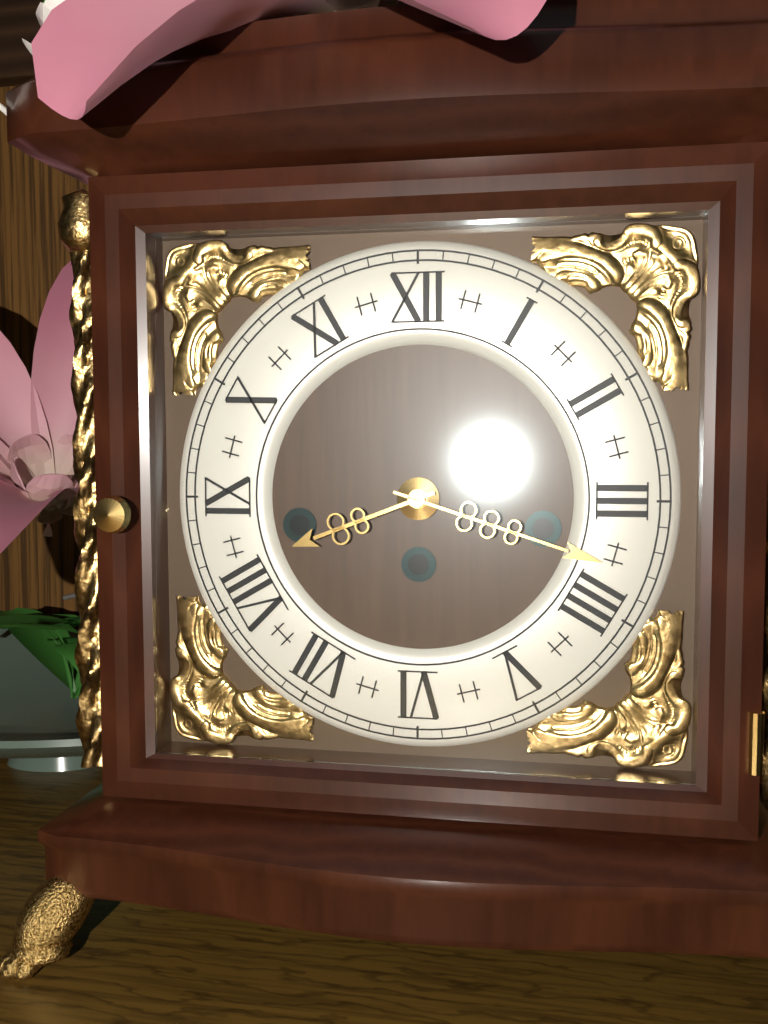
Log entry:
h=8 m=18
